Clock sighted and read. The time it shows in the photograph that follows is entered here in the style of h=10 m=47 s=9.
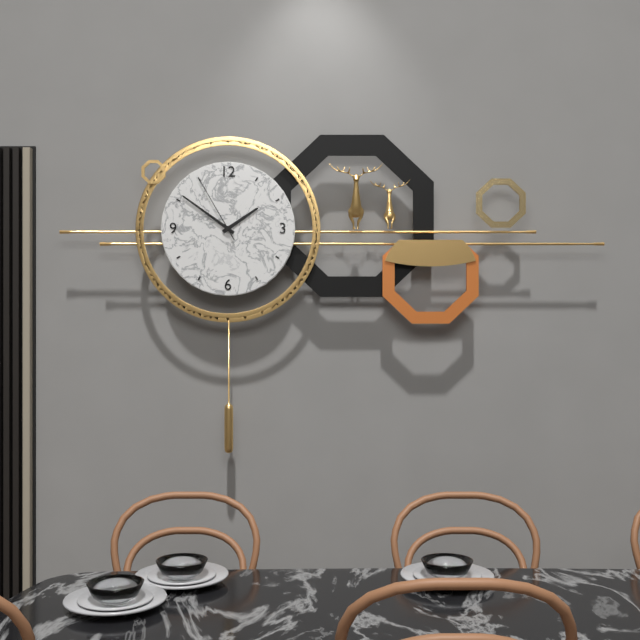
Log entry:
h=1 m=51 s=55
